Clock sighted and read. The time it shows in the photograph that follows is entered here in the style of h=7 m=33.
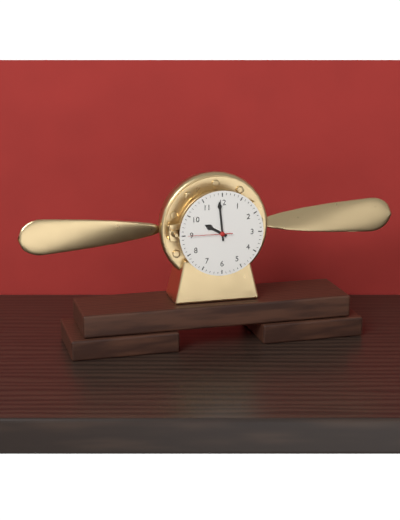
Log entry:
h=9 m=59
